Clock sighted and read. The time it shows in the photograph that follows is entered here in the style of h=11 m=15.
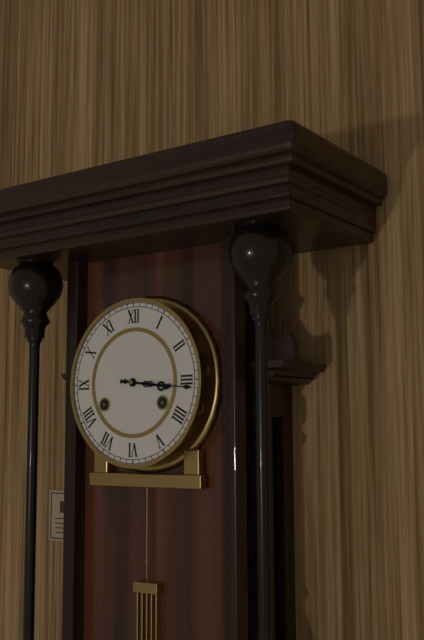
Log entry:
h=3 m=16
